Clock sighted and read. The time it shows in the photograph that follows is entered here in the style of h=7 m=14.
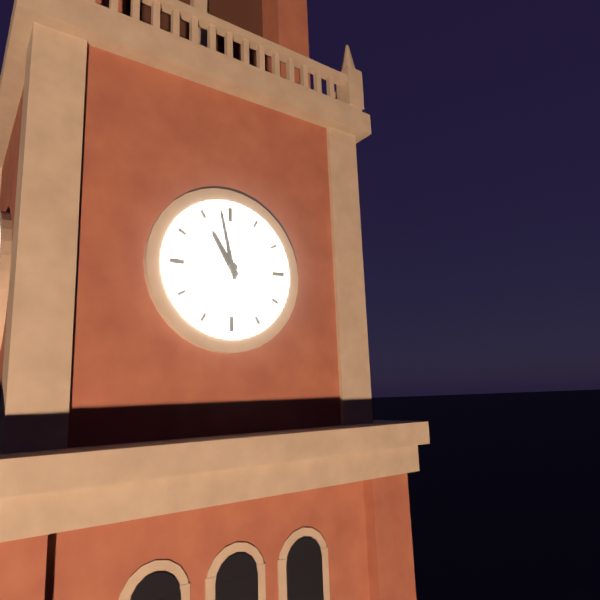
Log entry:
h=10 m=58
